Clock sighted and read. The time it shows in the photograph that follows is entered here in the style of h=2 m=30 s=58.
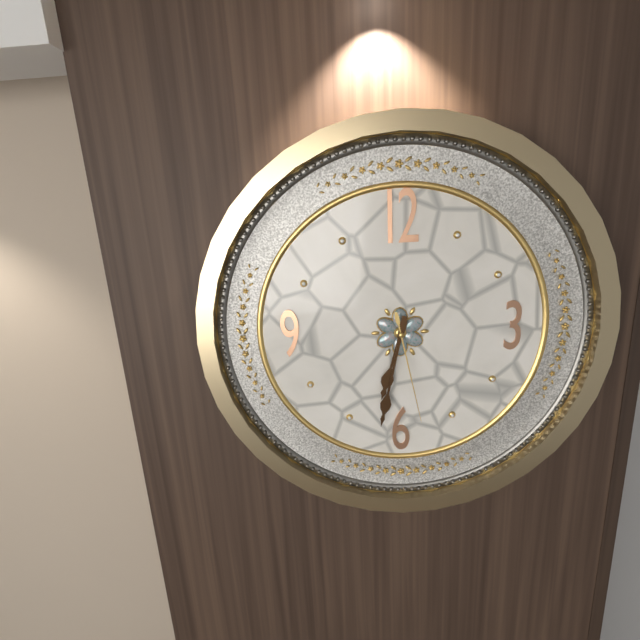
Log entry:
h=6 m=32 s=28
